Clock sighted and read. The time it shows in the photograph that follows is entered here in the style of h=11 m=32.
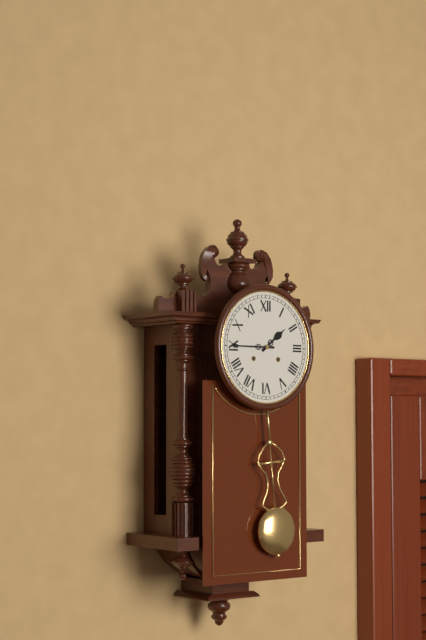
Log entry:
h=1 m=45
